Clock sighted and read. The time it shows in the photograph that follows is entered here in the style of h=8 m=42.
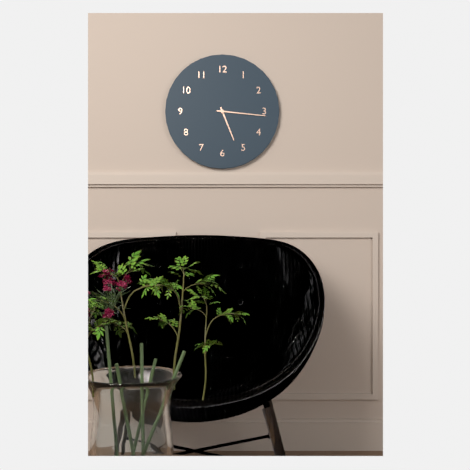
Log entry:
h=5 m=16
